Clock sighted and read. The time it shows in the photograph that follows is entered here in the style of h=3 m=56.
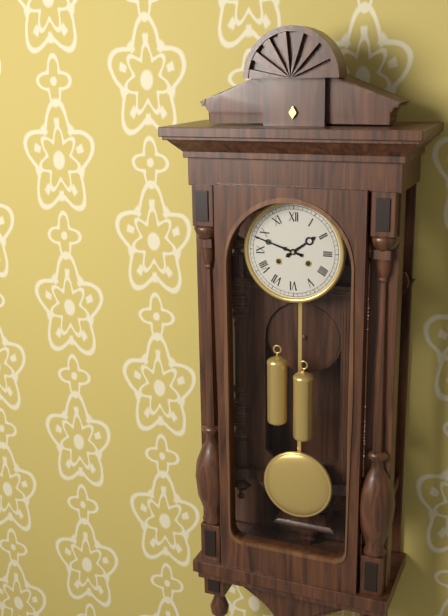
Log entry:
h=1 m=48
